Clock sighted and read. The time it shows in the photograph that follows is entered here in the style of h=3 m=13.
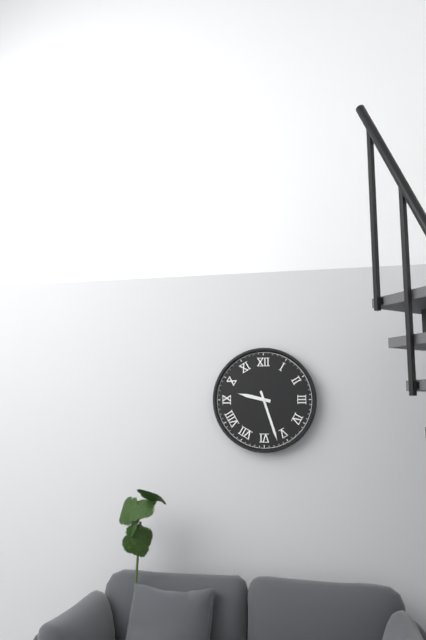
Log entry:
h=9 m=27
